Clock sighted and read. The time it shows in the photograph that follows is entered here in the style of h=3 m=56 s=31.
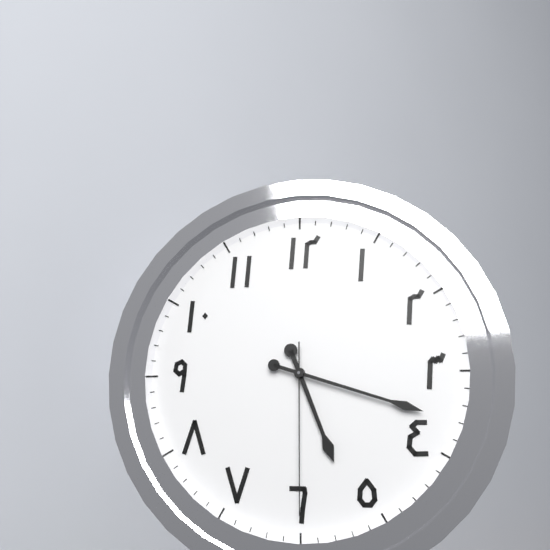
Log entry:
h=5 m=18 s=30
